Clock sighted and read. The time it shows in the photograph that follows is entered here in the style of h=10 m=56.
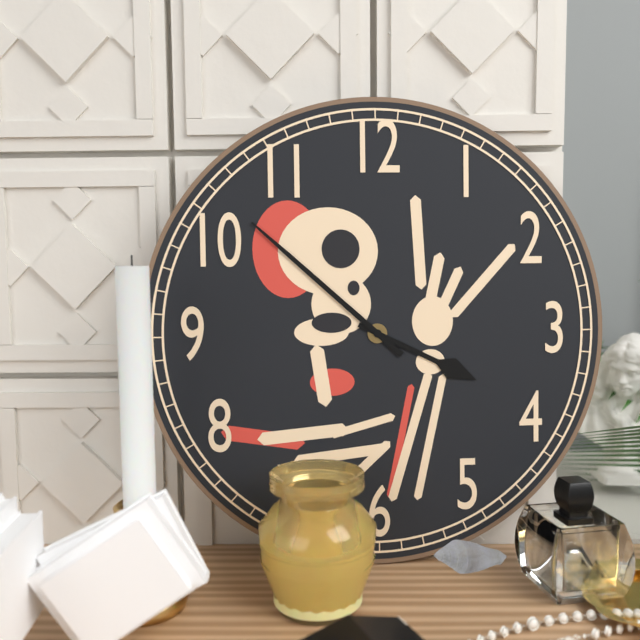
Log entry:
h=3 m=52
